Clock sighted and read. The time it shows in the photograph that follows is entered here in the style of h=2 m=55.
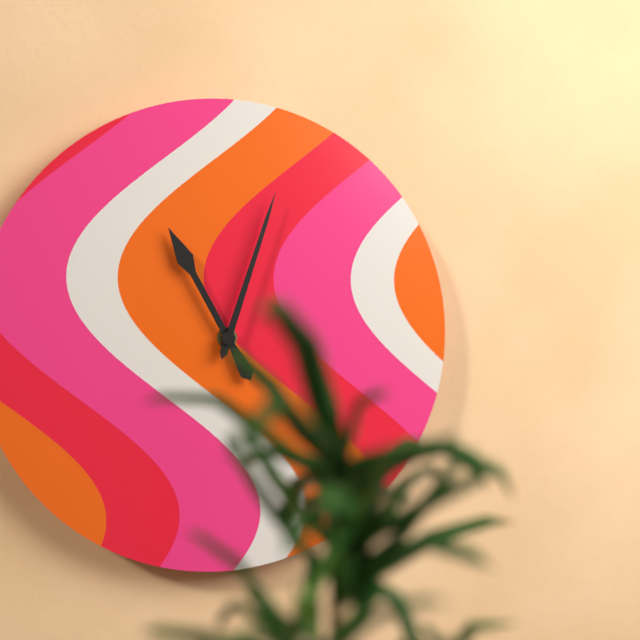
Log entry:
h=11 m=3
